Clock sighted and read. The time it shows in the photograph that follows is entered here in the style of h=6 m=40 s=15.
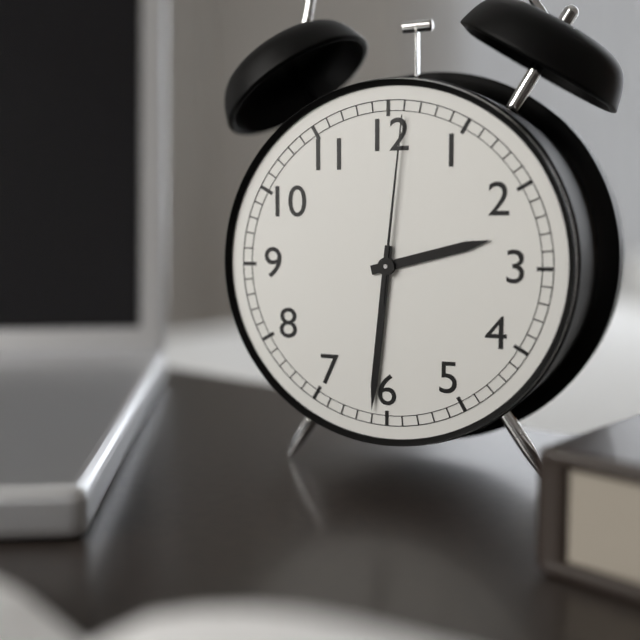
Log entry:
h=2 m=31 s=1
